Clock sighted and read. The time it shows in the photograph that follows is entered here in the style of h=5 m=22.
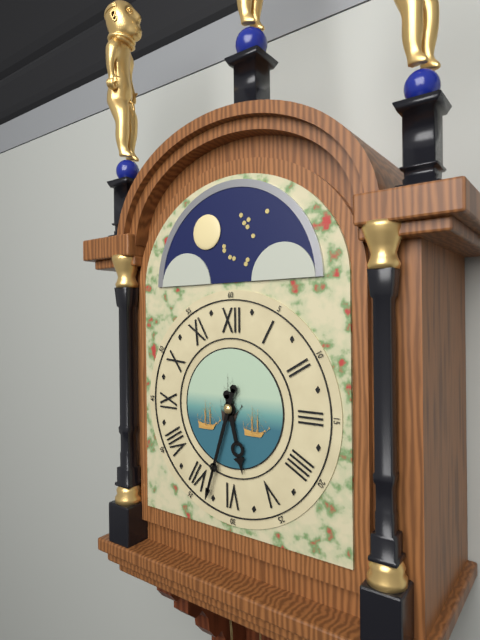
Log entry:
h=5 m=33
